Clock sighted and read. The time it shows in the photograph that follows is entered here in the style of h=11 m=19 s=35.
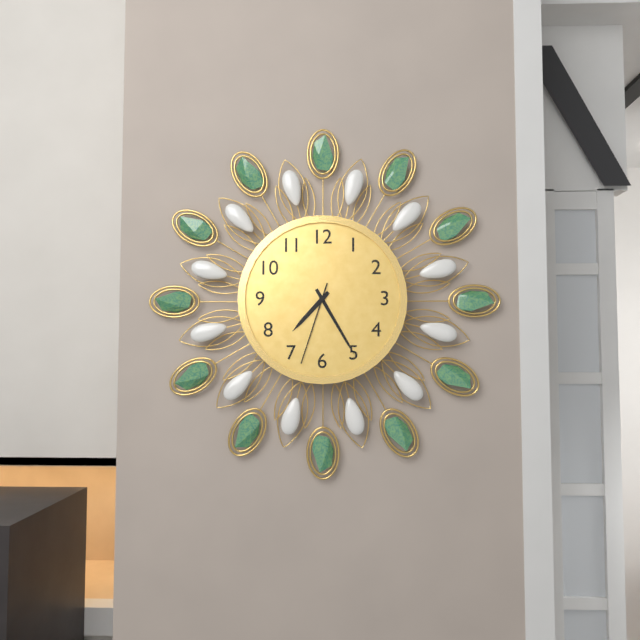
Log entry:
h=7 m=25 s=33
